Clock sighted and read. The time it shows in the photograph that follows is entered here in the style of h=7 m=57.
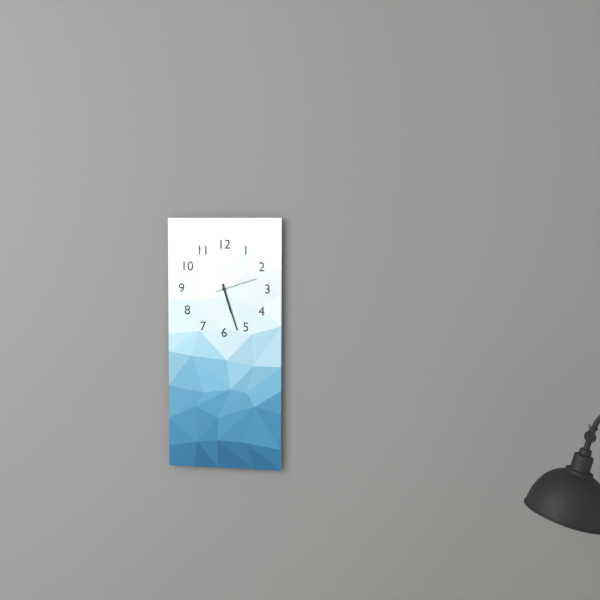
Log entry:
h=5 m=27
